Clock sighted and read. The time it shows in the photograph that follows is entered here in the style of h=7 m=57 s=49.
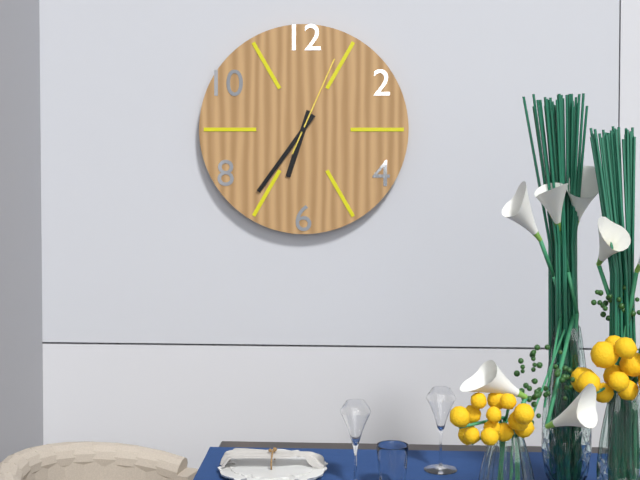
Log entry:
h=6 m=36 s=4
